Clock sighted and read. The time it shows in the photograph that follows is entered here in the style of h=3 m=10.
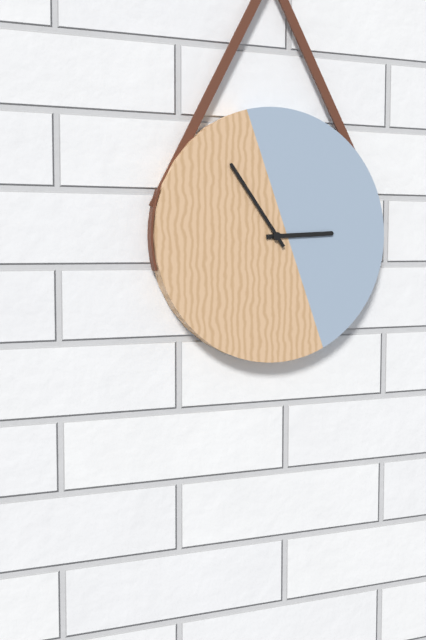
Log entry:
h=2 m=54
